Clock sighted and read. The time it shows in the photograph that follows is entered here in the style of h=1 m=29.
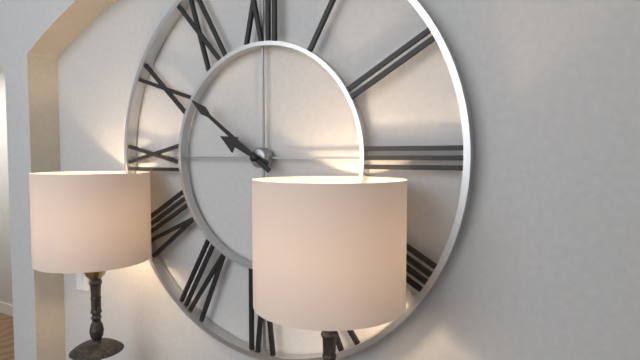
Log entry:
h=9 m=51
